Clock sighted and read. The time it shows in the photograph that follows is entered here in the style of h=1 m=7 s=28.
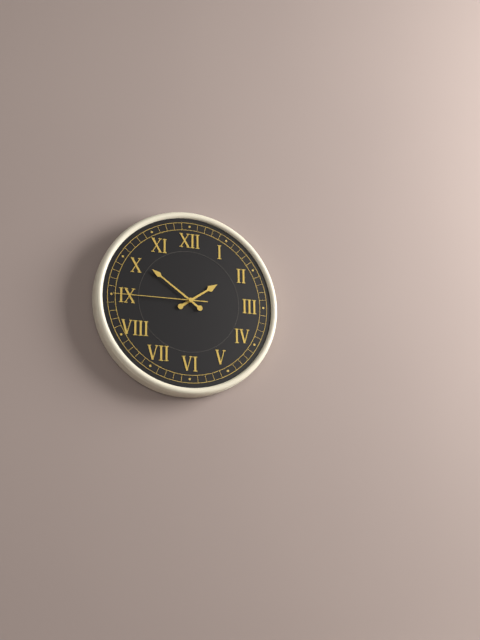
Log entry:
h=1 m=51 s=45
